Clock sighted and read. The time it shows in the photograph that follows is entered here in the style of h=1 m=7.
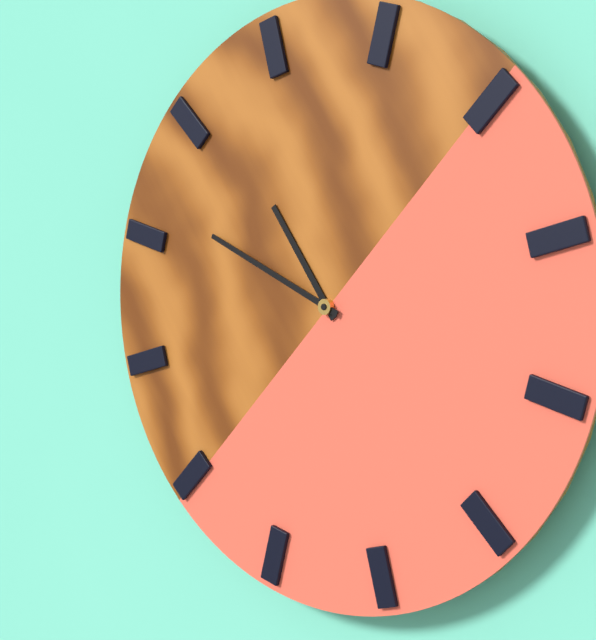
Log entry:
h=10 m=49
